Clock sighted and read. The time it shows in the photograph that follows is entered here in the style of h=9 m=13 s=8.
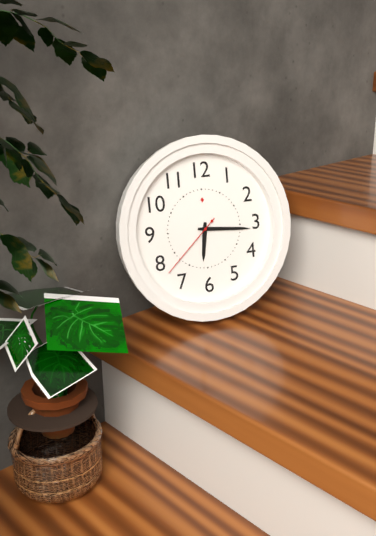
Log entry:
h=6 m=16 s=38
